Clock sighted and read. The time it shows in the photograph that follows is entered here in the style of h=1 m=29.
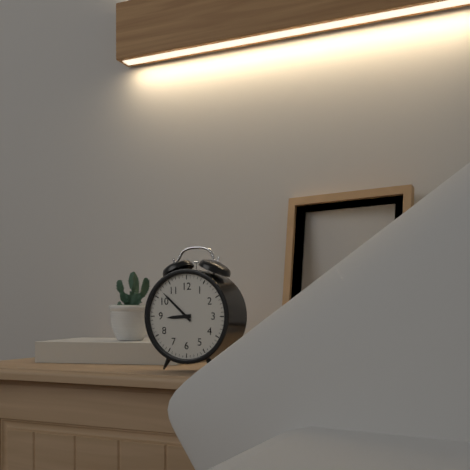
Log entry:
h=8 m=52
